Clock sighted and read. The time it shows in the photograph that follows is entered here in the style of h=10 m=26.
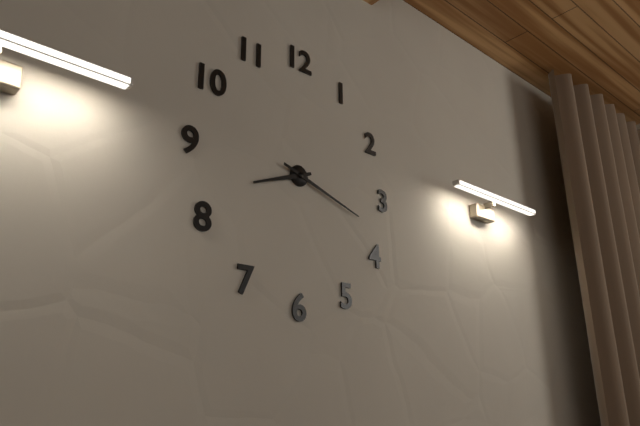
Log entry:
h=8 m=18
